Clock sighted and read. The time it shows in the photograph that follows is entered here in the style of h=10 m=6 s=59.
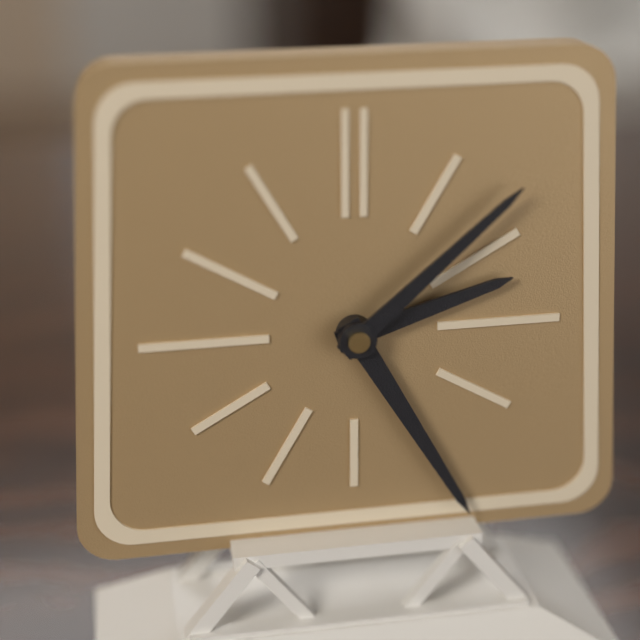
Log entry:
h=2 m=25 s=8
